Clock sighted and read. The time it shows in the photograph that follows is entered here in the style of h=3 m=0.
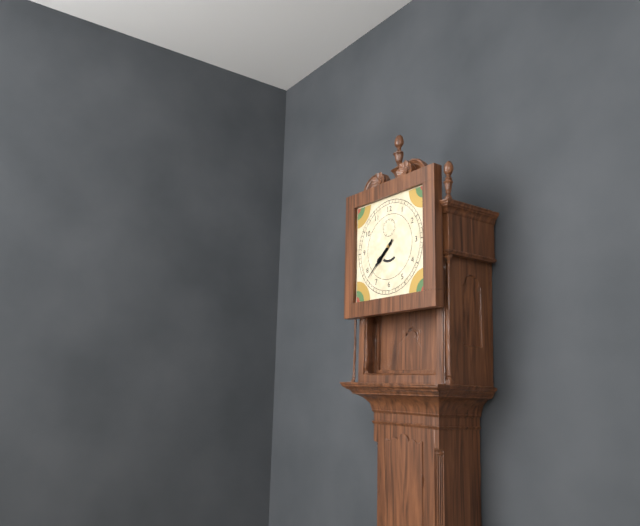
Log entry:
h=7 m=38
